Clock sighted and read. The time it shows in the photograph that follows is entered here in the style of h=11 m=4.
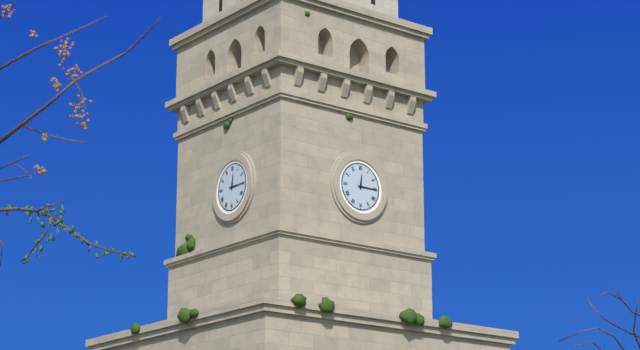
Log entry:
h=12 m=15
